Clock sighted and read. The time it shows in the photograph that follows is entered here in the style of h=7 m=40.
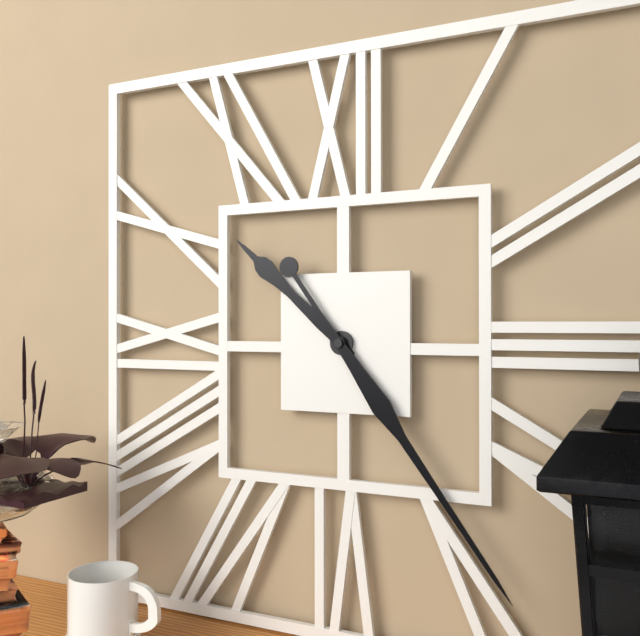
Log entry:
h=10 m=24
